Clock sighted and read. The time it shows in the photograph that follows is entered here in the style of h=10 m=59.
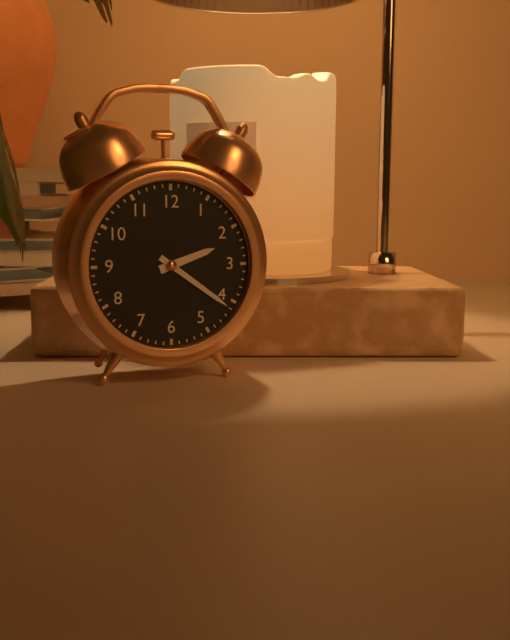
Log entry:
h=2 m=21
